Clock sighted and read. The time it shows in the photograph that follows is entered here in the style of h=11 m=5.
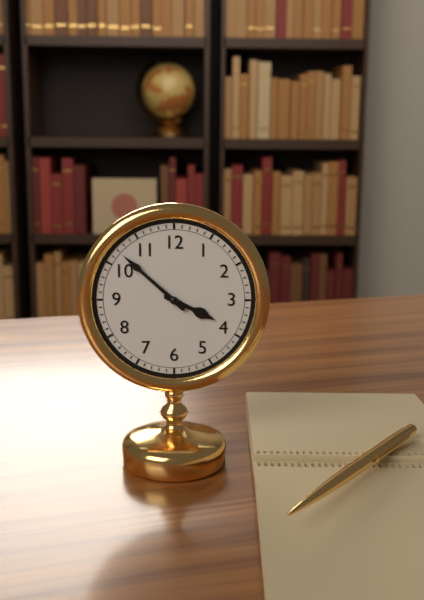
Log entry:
h=3 m=52
